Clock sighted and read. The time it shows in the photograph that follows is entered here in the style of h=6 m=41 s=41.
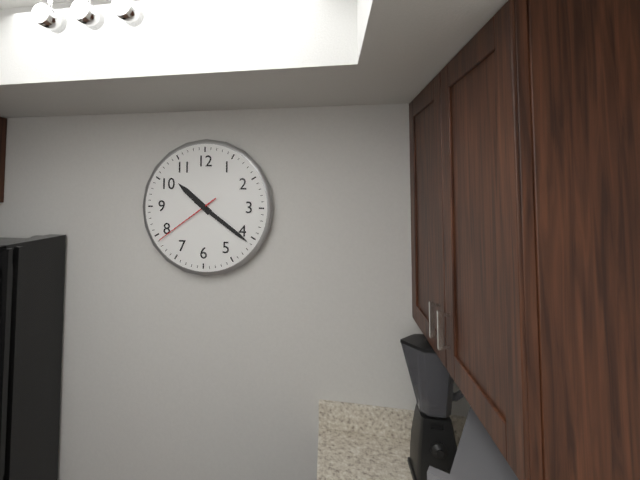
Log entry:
h=10 m=21 s=39
